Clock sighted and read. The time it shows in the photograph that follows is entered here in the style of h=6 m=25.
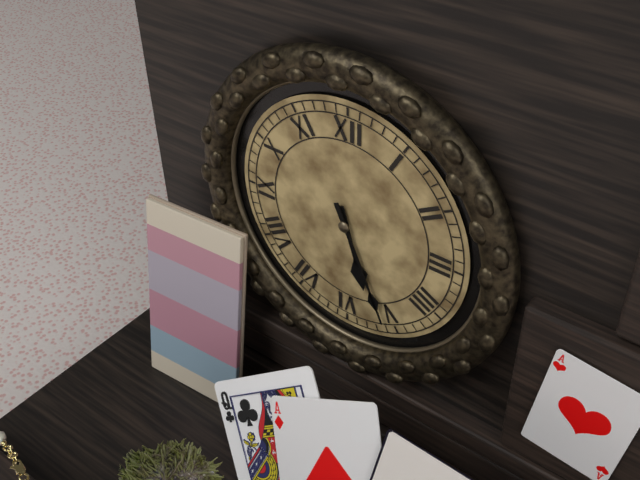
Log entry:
h=5 m=26
